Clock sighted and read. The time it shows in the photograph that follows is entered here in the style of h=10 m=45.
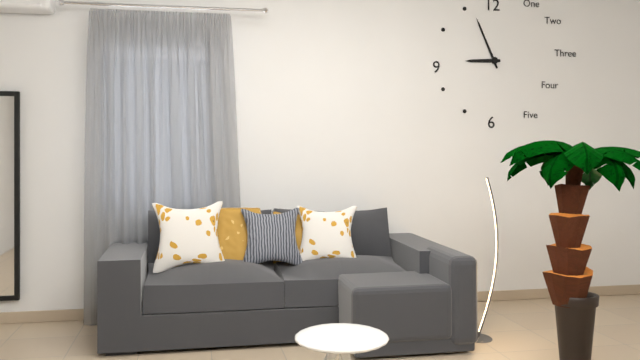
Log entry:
h=8 m=56
